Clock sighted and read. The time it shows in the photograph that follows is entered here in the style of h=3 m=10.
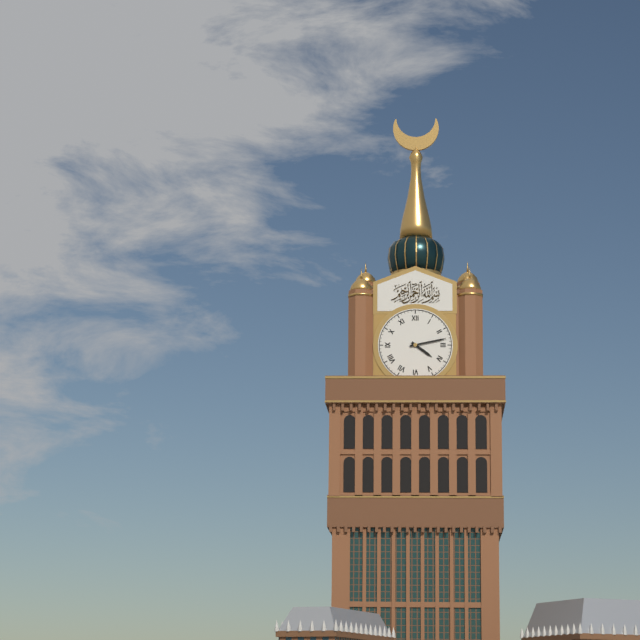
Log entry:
h=4 m=13
